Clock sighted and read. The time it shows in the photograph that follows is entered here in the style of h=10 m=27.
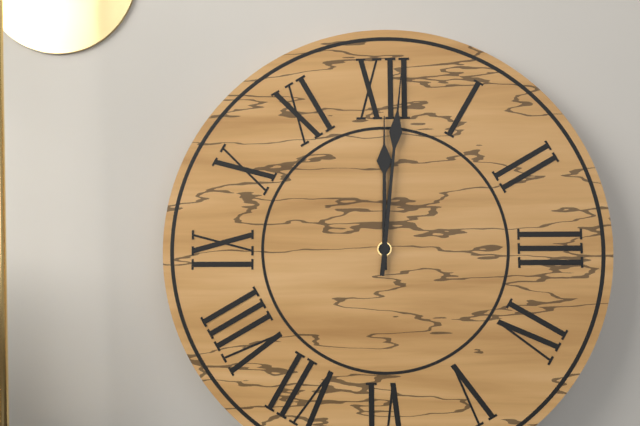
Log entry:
h=12 m=1
